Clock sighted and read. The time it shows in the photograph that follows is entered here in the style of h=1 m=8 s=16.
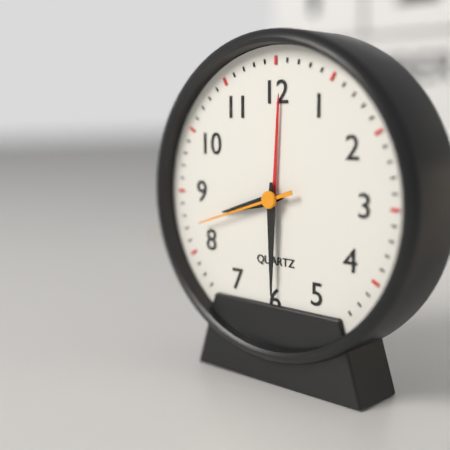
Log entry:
h=8 m=30 s=42
